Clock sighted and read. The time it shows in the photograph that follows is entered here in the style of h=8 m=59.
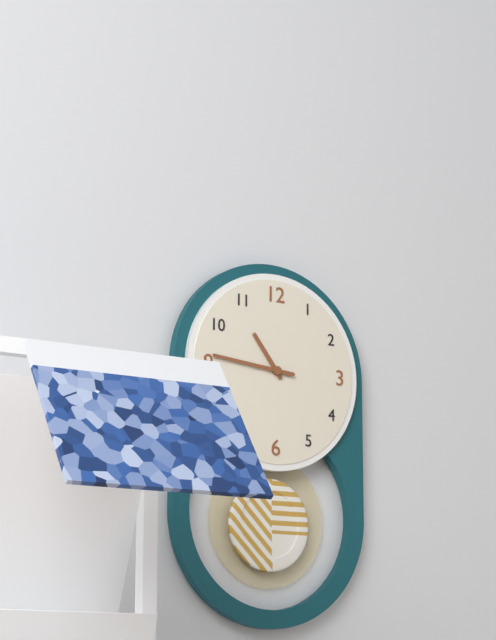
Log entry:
h=10 m=46
